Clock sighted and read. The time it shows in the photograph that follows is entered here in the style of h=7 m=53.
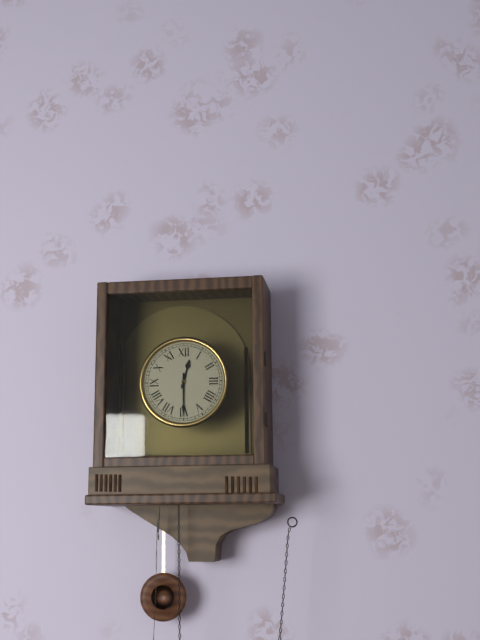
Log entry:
h=12 m=30
